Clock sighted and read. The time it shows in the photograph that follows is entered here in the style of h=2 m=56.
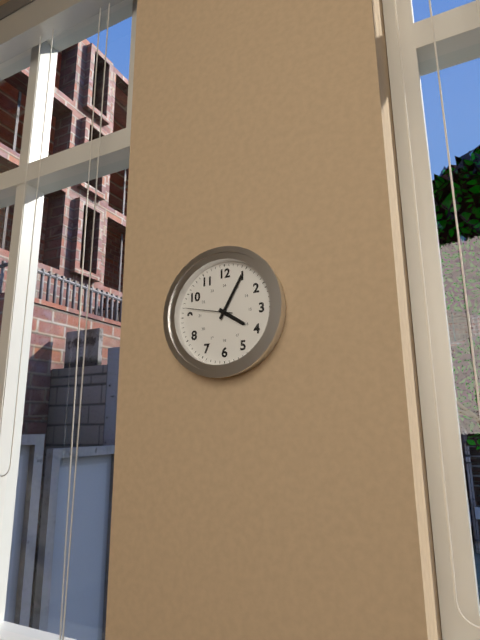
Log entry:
h=4 m=5
